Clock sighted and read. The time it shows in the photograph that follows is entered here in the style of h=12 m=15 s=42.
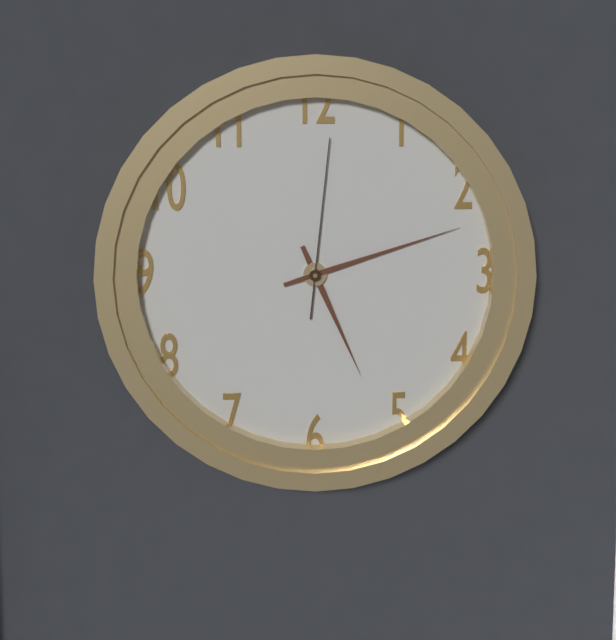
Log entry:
h=5 m=12 s=1
